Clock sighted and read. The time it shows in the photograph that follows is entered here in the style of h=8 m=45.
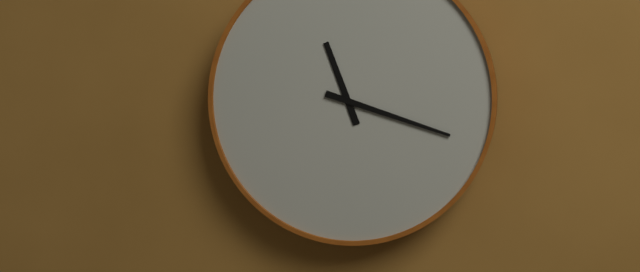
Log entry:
h=11 m=18
